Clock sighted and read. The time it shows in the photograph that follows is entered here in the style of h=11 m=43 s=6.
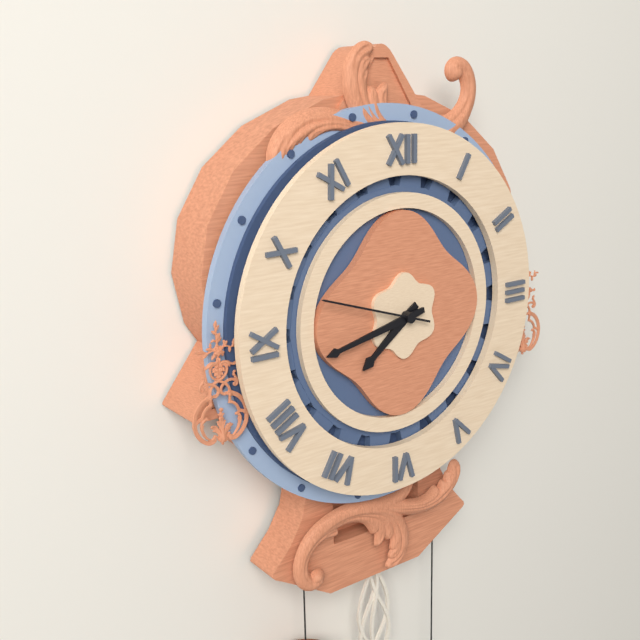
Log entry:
h=7 m=43 s=48
